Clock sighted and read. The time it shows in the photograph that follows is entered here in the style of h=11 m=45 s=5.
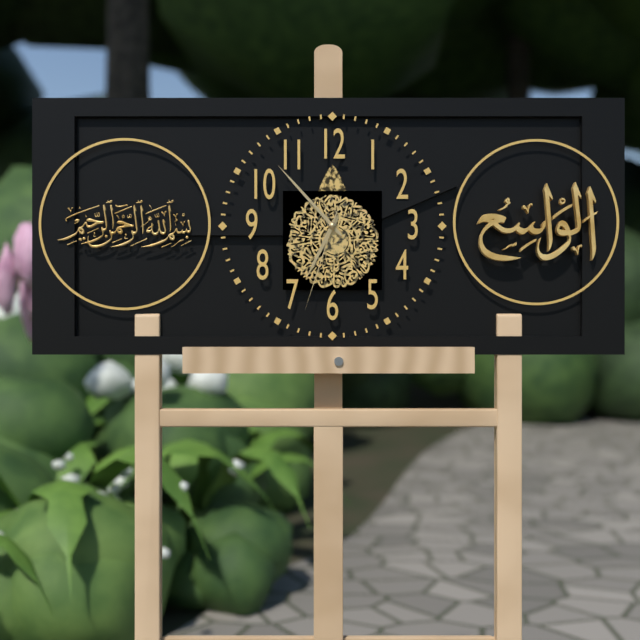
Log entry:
h=6 m=53 s=33
